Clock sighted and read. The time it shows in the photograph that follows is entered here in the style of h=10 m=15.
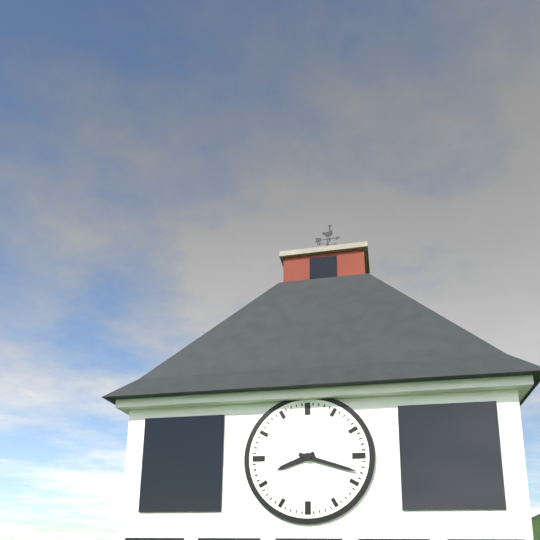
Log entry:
h=8 m=18
